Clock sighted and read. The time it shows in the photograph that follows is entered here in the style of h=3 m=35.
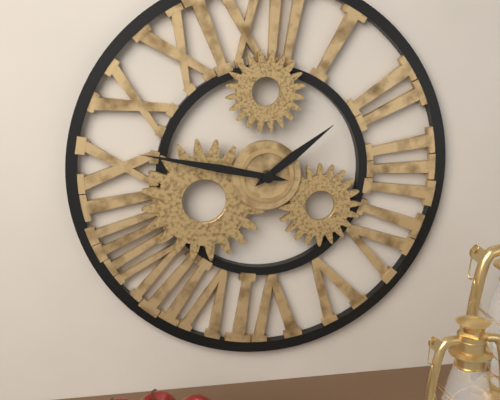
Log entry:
h=1 m=47
